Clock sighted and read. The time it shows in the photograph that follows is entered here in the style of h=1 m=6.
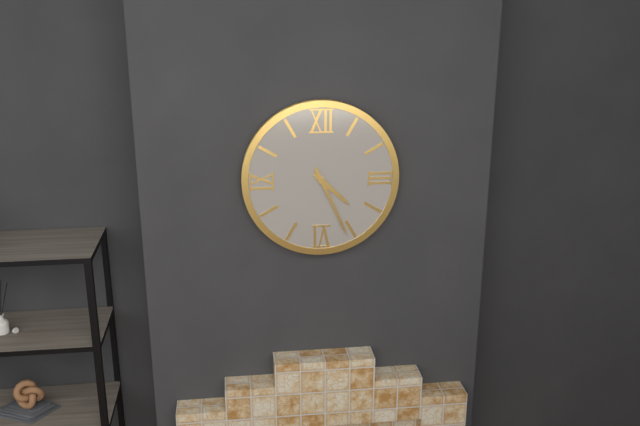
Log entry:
h=4 m=26
